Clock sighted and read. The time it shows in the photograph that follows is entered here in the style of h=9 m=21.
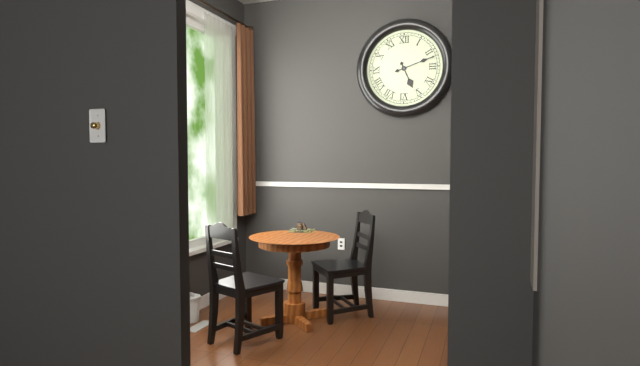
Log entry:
h=5 m=12
